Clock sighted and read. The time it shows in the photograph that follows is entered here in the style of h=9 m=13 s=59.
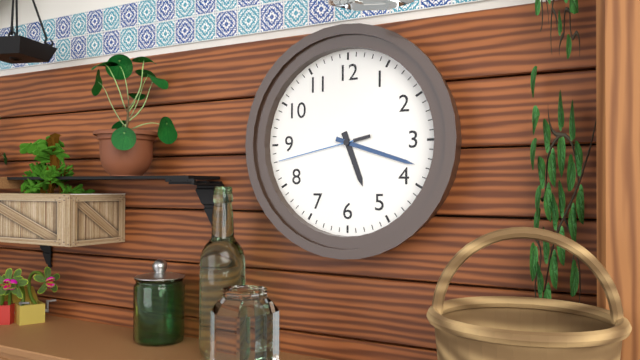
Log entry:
h=5 m=18 s=43
